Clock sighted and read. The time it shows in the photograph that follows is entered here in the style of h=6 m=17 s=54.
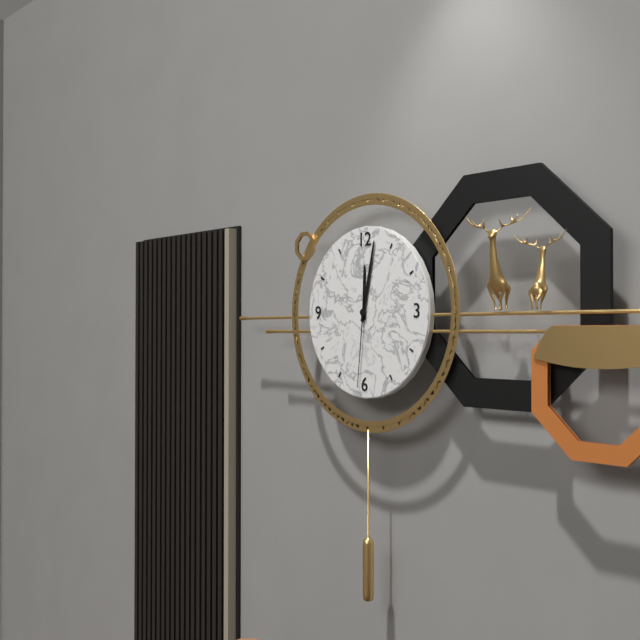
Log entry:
h=12 m=2 s=31
